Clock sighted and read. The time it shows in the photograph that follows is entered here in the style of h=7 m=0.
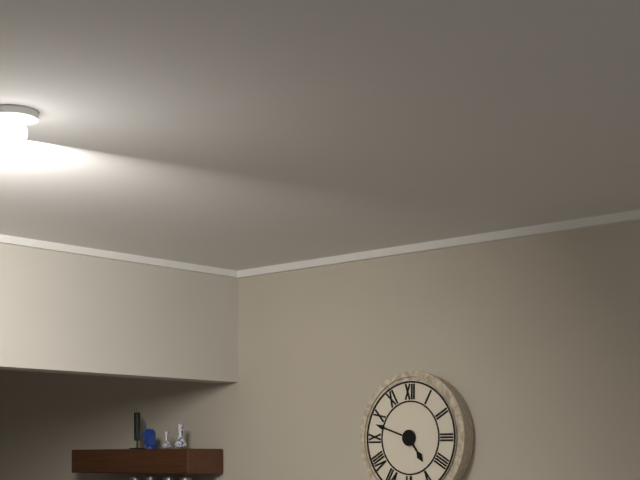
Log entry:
h=4 m=48
